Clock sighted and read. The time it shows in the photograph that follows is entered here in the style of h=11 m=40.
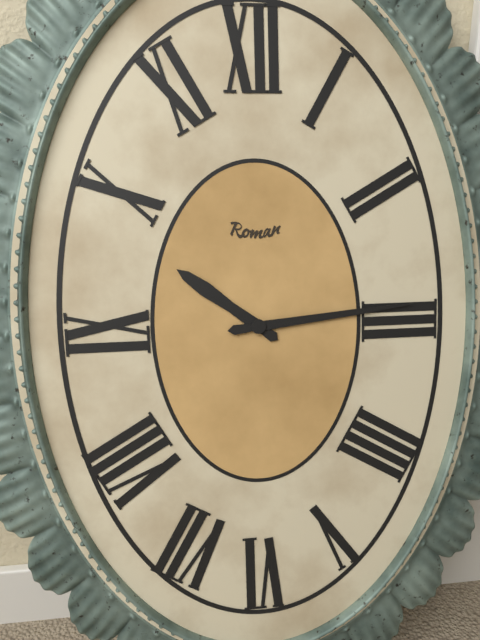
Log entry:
h=10 m=14
